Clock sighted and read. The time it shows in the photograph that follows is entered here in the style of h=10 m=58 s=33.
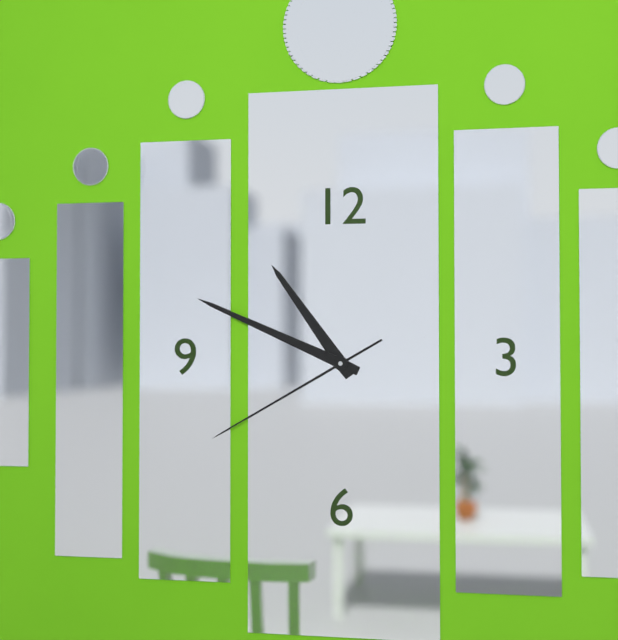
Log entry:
h=10 m=49 s=40
